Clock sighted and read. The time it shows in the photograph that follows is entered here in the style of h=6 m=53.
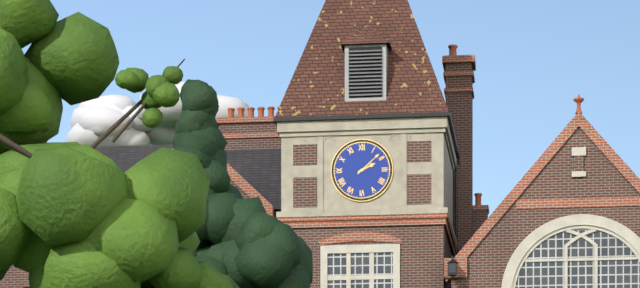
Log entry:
h=2 m=8
